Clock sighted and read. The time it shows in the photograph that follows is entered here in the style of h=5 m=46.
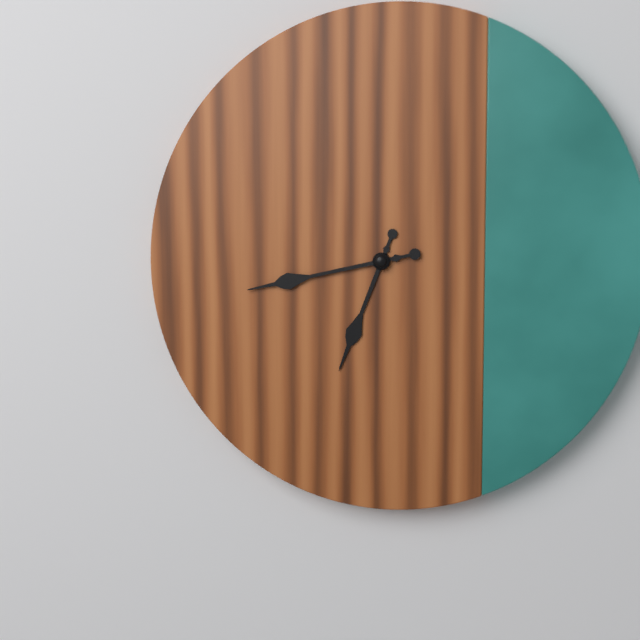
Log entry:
h=6 m=43
